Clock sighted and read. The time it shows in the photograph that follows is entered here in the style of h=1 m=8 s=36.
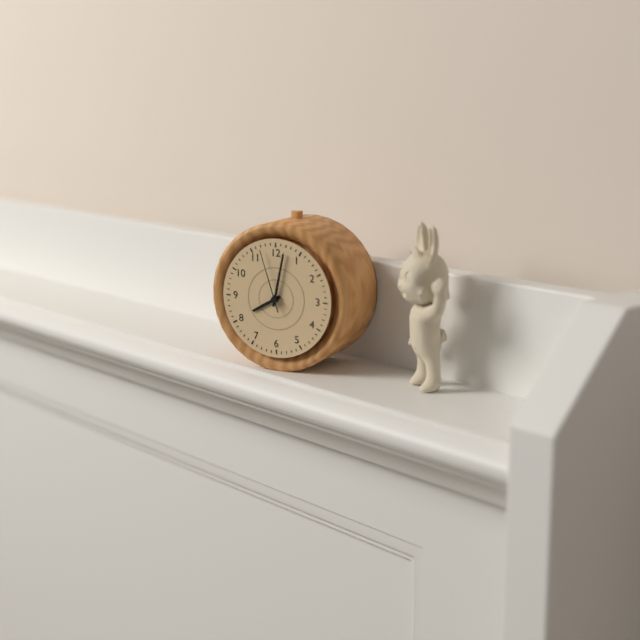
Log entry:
h=8 m=2 s=57
